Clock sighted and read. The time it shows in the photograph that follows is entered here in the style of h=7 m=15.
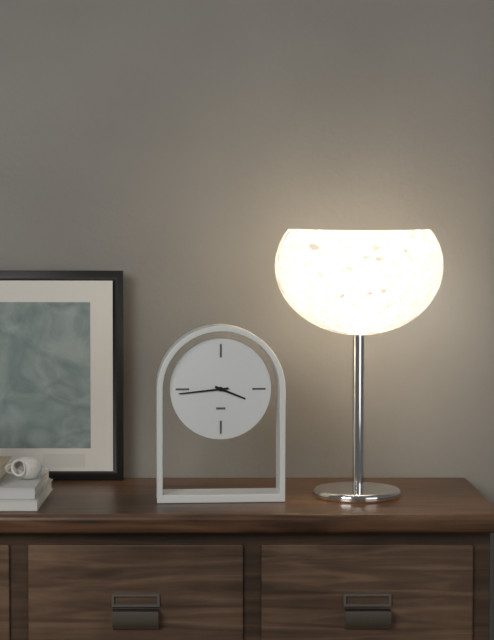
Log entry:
h=3 m=44
